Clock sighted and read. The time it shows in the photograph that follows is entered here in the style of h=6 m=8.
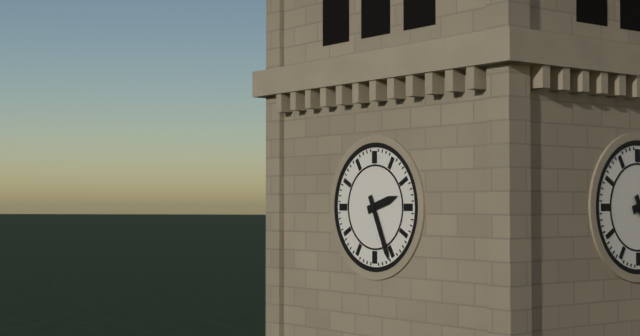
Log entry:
h=2 m=26
